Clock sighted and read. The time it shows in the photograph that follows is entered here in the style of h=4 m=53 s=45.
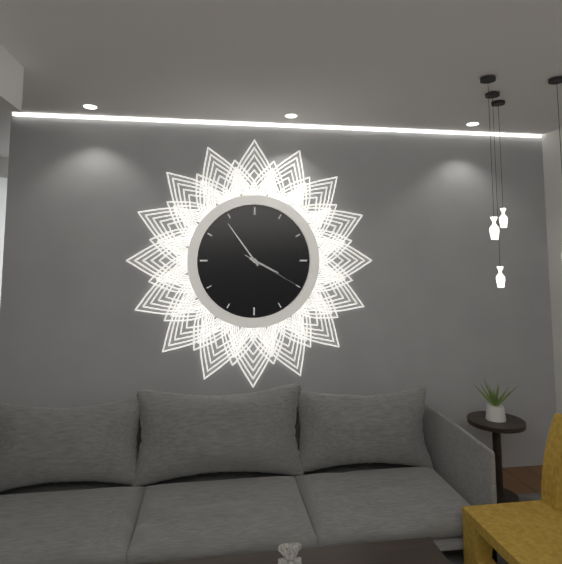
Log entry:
h=3 m=54 s=20
